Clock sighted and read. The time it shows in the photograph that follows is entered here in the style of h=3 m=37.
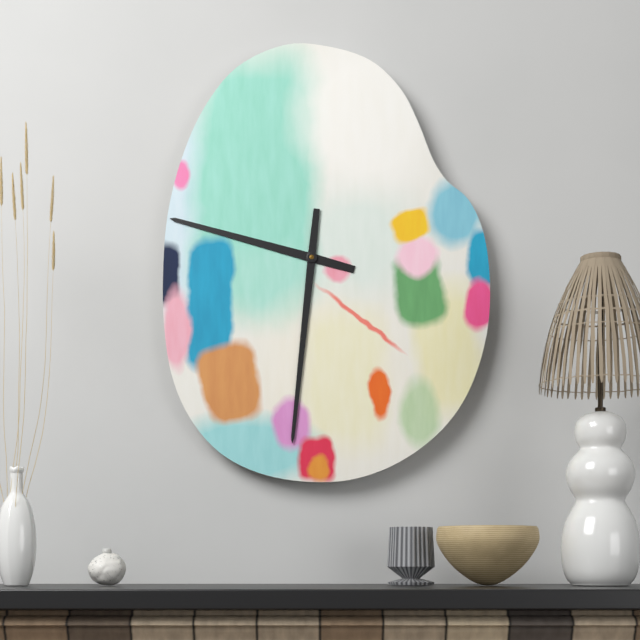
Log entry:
h=9 m=31
